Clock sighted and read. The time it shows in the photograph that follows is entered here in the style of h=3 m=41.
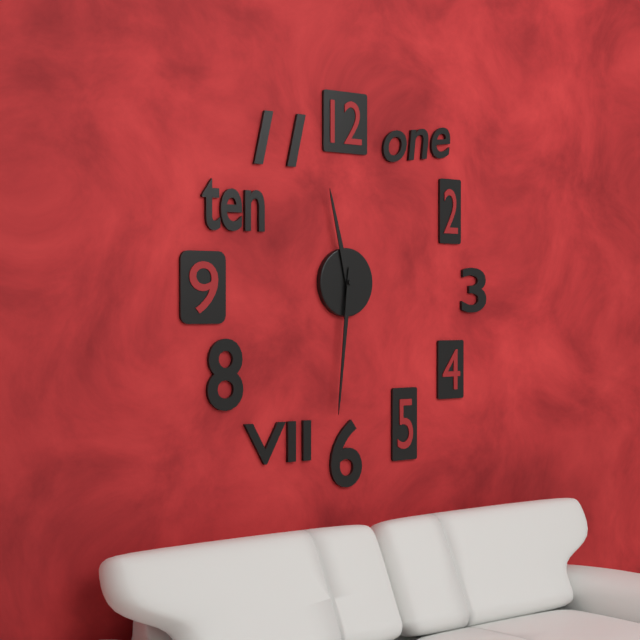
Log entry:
h=11 m=31
